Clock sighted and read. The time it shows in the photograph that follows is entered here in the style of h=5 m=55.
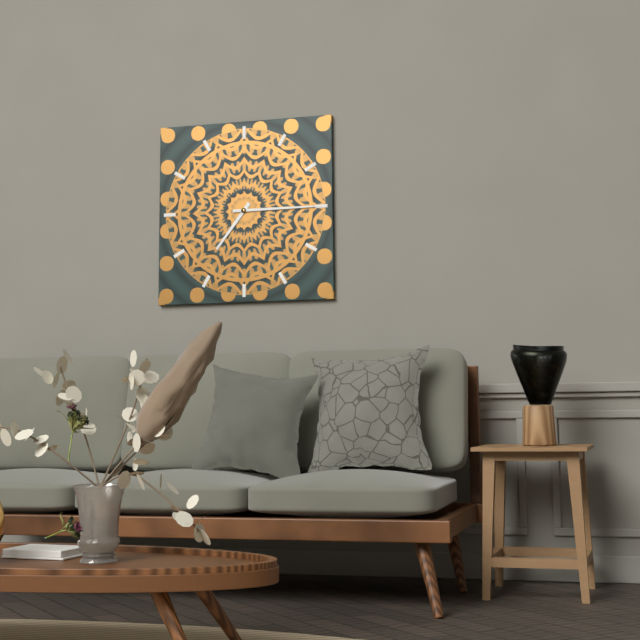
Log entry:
h=7 m=15
